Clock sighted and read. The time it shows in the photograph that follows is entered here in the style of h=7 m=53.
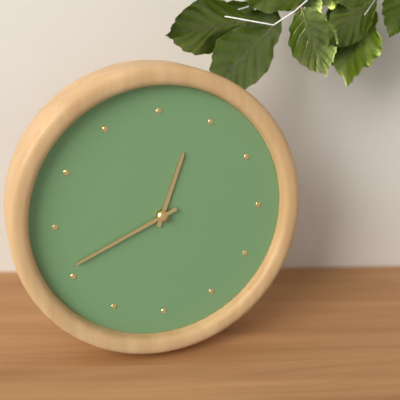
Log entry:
h=12 m=41
